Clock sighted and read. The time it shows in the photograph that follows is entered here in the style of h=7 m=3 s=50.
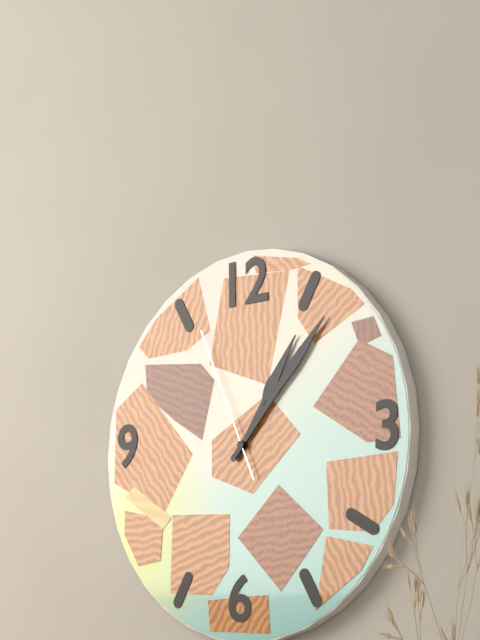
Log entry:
h=1 m=7 s=56
